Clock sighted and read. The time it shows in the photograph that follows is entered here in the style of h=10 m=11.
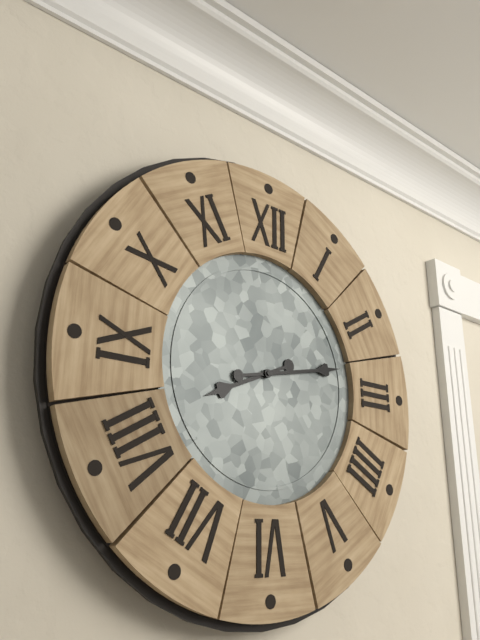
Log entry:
h=8 m=13
